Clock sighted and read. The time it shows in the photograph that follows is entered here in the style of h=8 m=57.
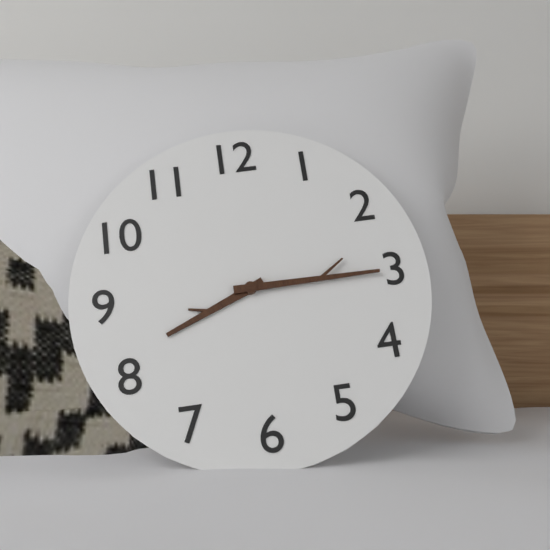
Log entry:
h=8 m=15
